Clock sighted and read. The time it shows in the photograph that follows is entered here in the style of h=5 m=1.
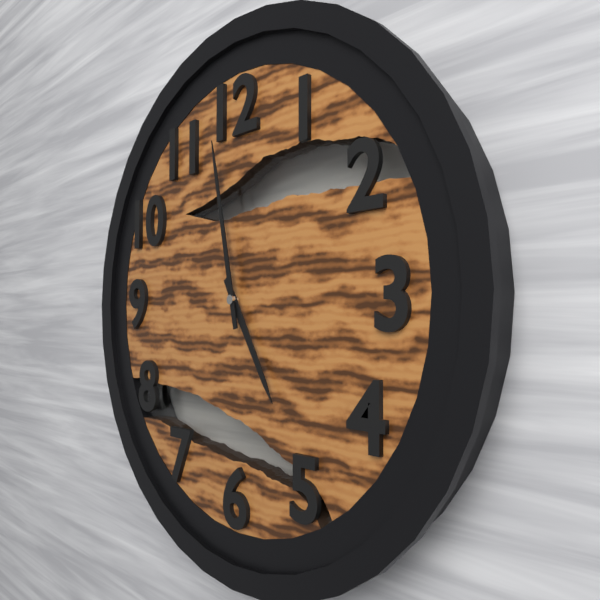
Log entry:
h=4 m=58
